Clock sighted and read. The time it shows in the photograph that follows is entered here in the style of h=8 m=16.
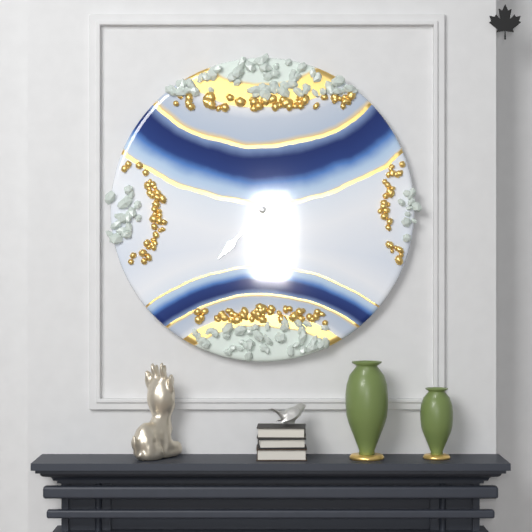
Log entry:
h=6 m=37
